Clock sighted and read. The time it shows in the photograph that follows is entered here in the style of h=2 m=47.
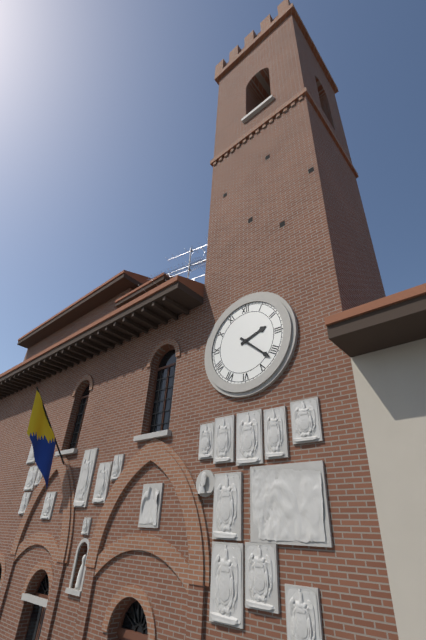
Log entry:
h=2 m=22
